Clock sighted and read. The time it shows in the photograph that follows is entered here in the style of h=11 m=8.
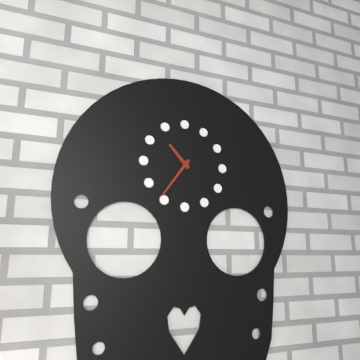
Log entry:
h=10 m=36
